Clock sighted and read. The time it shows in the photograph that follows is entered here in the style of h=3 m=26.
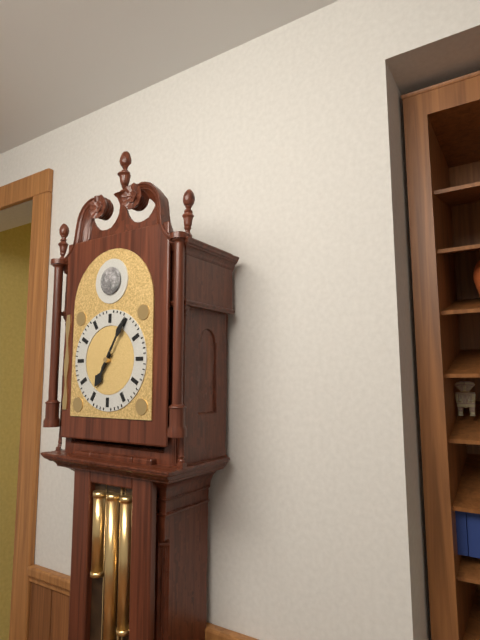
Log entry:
h=7 m=5
